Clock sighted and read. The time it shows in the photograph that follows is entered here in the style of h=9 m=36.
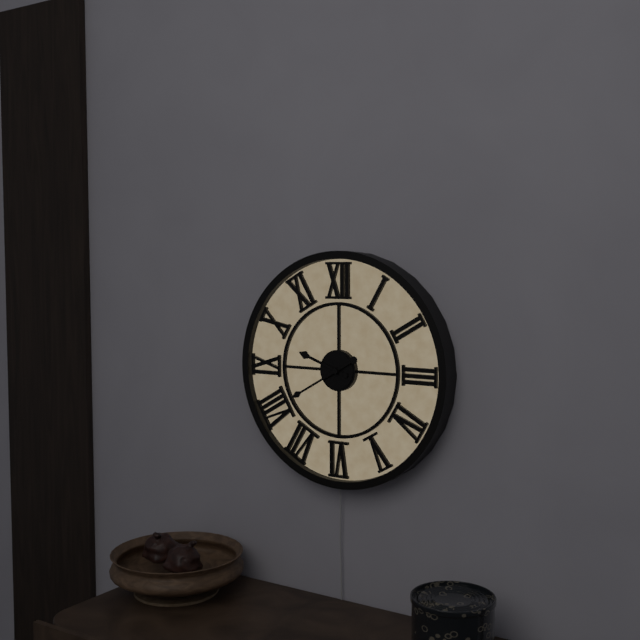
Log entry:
h=9 m=40
